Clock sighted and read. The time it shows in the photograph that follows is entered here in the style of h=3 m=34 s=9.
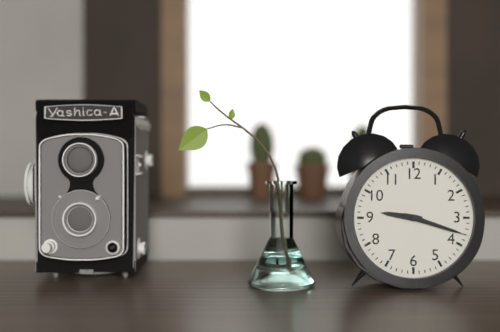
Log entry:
h=9 m=18 s=18
